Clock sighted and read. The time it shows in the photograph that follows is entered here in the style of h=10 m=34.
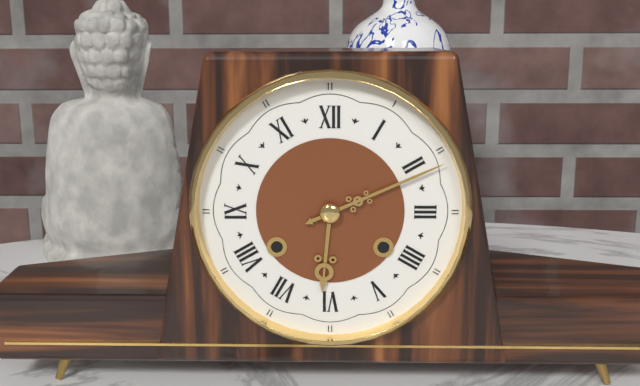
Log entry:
h=6 m=11
